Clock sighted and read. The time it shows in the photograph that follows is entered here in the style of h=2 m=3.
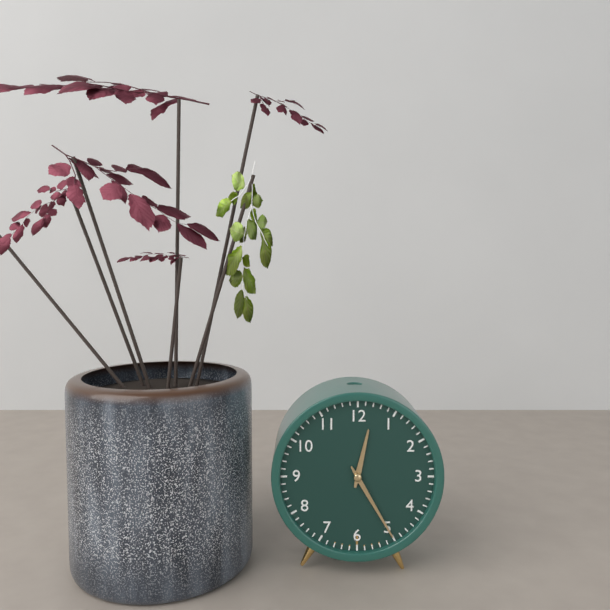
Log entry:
h=12 m=25
